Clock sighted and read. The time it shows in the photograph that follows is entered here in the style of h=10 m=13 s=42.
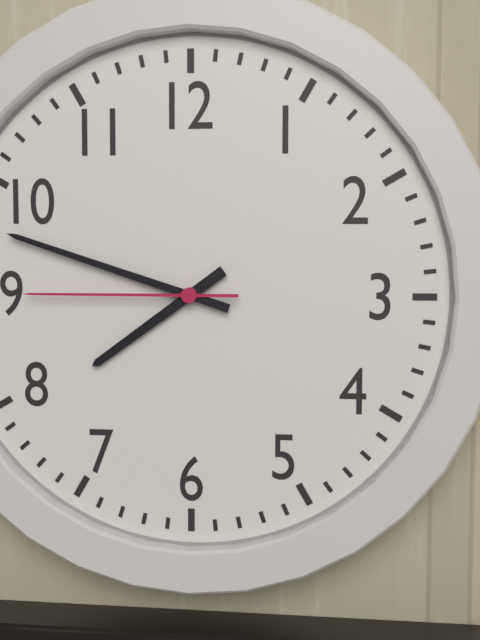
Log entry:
h=7 m=48 s=45
